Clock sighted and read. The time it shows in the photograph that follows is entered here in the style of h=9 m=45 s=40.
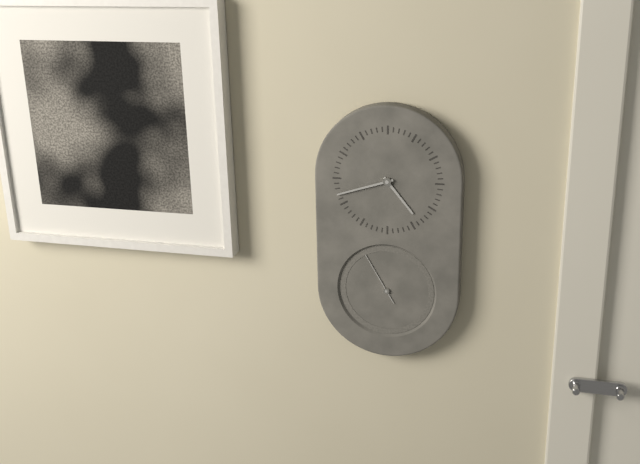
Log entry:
h=4 m=42 s=55
